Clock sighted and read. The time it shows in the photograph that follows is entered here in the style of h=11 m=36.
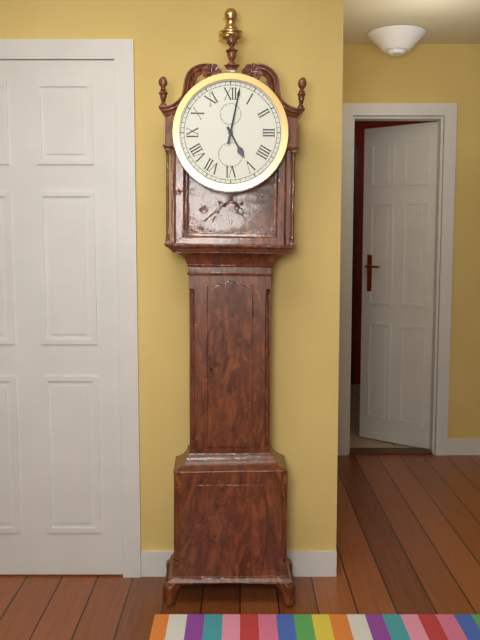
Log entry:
h=5 m=2
